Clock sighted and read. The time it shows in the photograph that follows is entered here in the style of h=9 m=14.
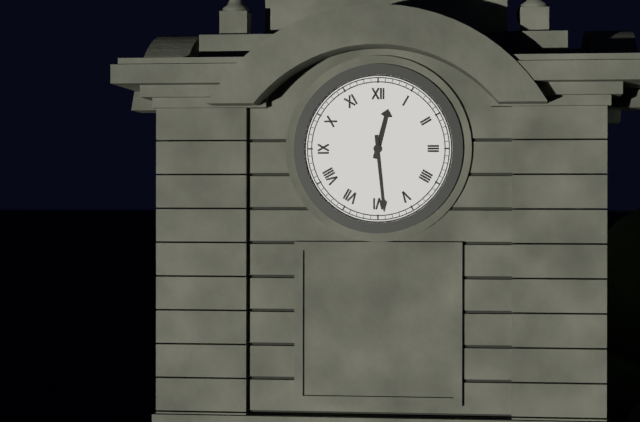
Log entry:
h=12 m=29
